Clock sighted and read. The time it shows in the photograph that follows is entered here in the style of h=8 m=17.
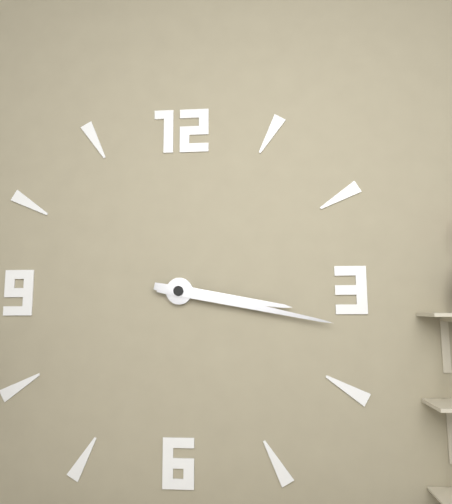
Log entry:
h=3 m=17
